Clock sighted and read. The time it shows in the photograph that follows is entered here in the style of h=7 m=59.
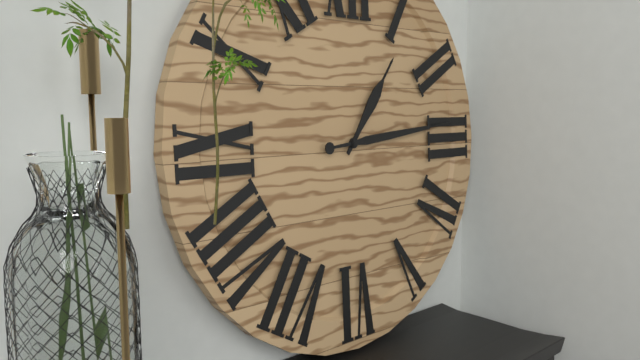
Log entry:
h=1 m=14
